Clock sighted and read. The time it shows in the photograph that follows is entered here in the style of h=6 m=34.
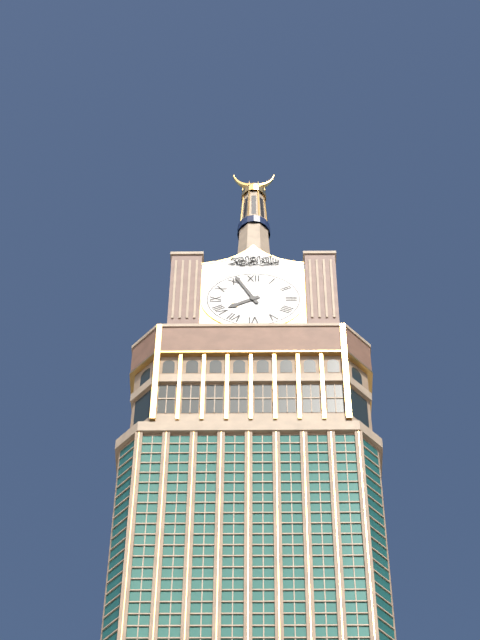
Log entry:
h=7 m=56
